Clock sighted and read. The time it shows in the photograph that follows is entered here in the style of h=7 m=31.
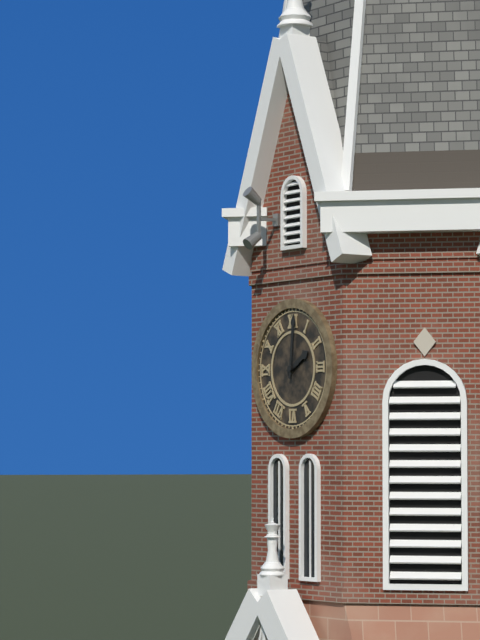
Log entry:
h=2 m=1
